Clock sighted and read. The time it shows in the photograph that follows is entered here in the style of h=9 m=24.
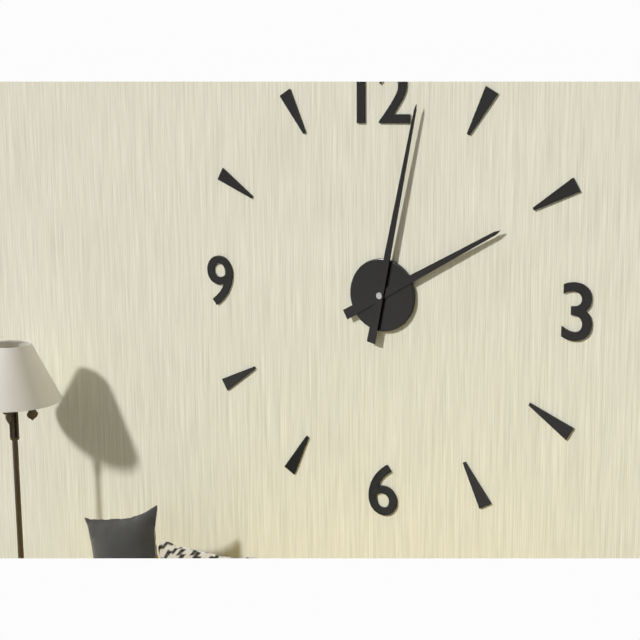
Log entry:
h=2 m=2
